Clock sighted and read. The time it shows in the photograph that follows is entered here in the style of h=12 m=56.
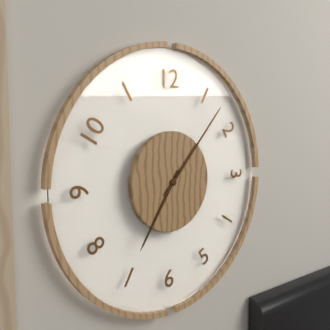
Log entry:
h=7 m=7
